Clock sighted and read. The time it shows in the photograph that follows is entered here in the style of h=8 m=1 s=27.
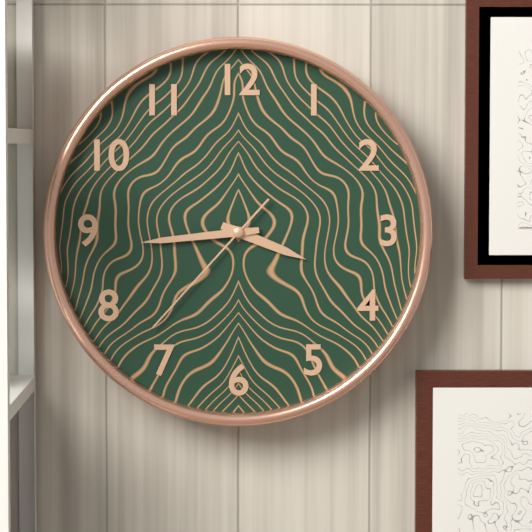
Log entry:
h=3 m=44 s=37
